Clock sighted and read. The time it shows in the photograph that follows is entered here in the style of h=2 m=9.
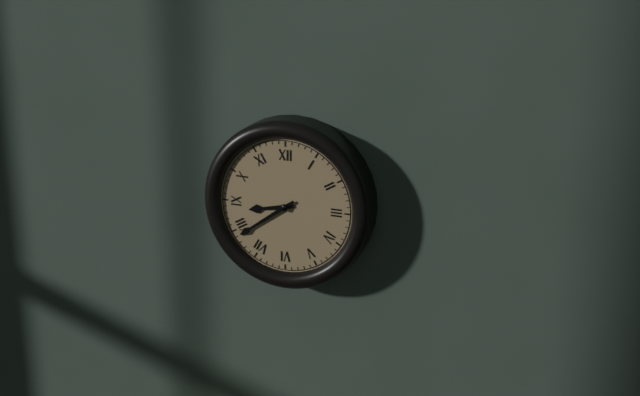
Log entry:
h=8 m=39
